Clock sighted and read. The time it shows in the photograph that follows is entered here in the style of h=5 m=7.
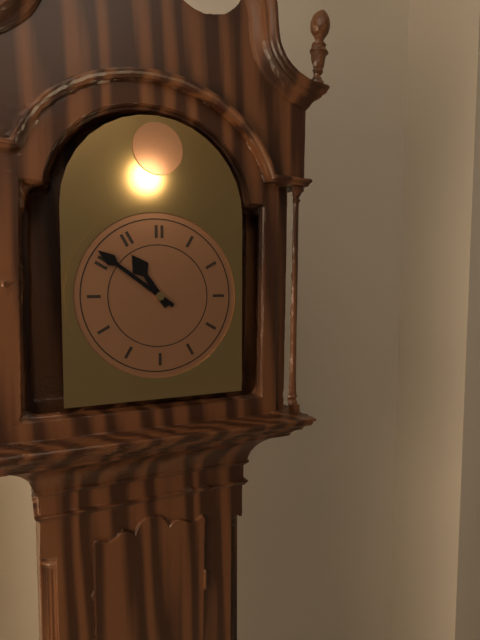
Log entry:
h=10 m=51
